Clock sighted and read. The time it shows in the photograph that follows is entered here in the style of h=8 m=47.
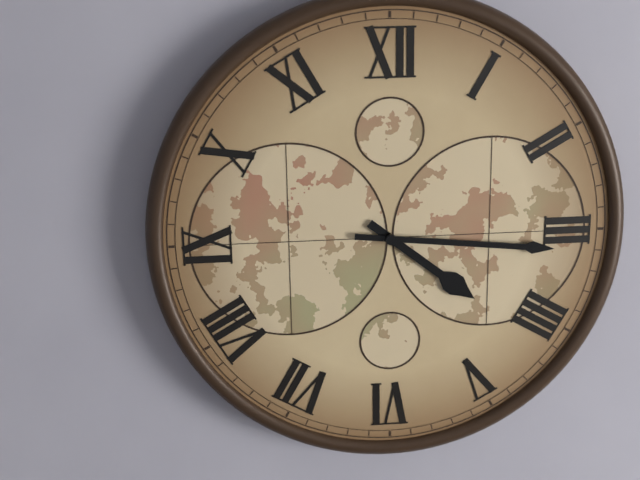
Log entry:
h=4 m=16
